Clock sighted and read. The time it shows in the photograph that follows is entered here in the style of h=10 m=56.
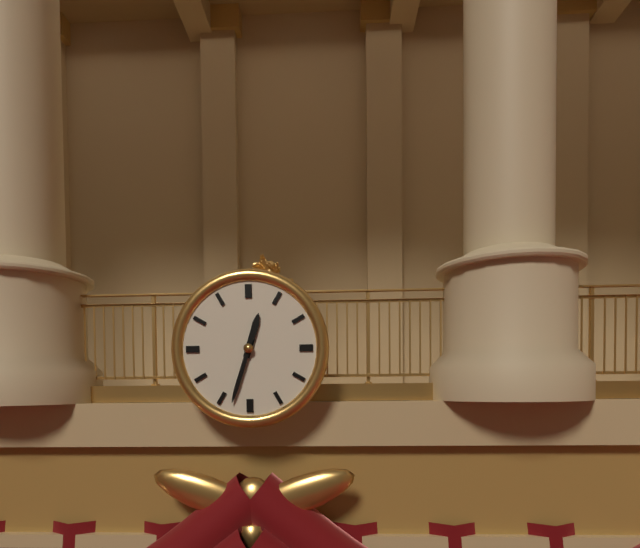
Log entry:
h=12 m=33
